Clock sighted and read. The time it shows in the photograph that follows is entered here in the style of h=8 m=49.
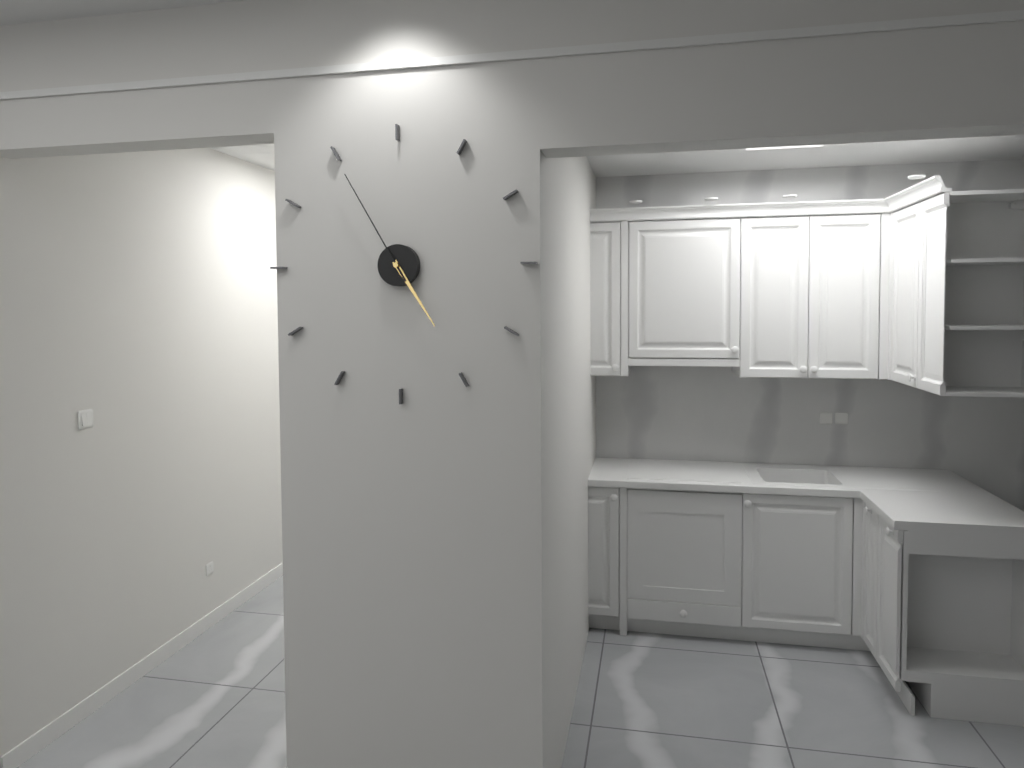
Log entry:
h=4 m=55
